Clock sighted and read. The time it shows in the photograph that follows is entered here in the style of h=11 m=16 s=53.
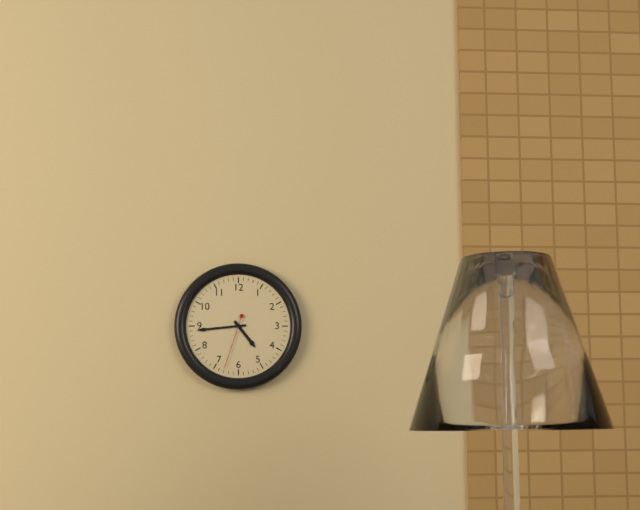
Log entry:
h=4 m=44 s=33
